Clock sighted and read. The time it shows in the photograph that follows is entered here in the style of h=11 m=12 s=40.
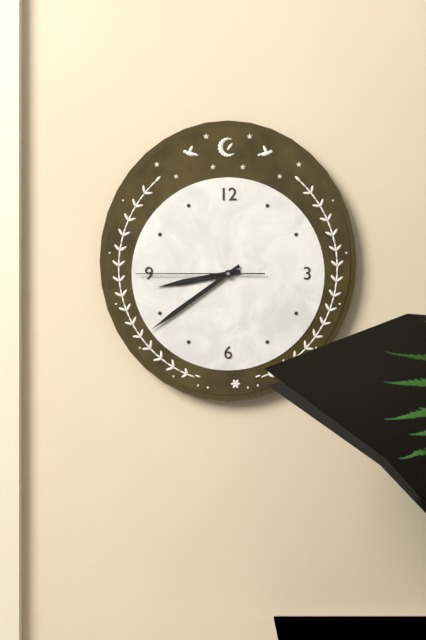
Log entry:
h=8 m=39 s=45
